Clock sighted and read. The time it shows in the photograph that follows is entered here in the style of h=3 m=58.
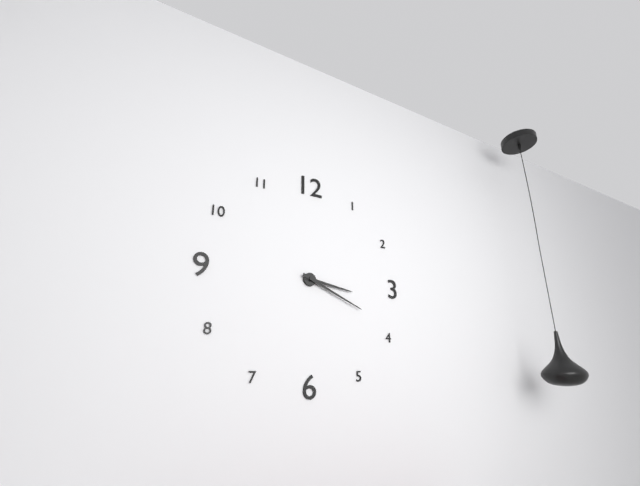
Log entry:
h=3 m=19
